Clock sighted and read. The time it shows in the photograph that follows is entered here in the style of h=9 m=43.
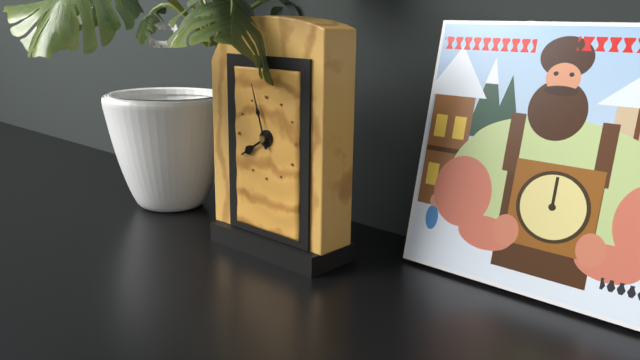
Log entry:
h=7 m=57
